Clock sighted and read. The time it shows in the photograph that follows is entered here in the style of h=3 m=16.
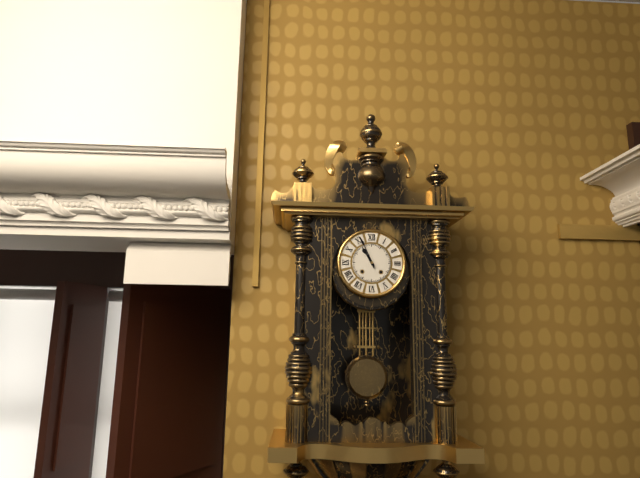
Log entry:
h=10 m=56
